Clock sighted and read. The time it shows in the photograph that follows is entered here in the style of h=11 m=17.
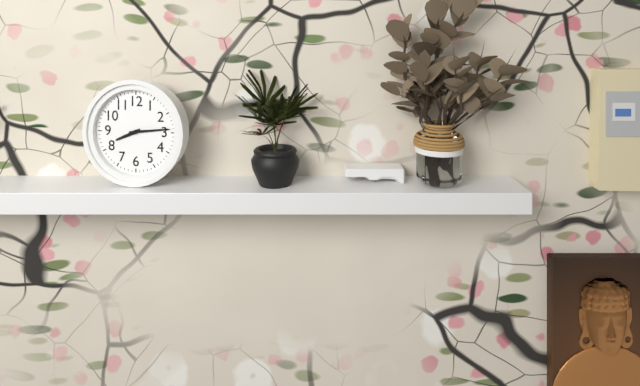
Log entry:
h=8 m=14
